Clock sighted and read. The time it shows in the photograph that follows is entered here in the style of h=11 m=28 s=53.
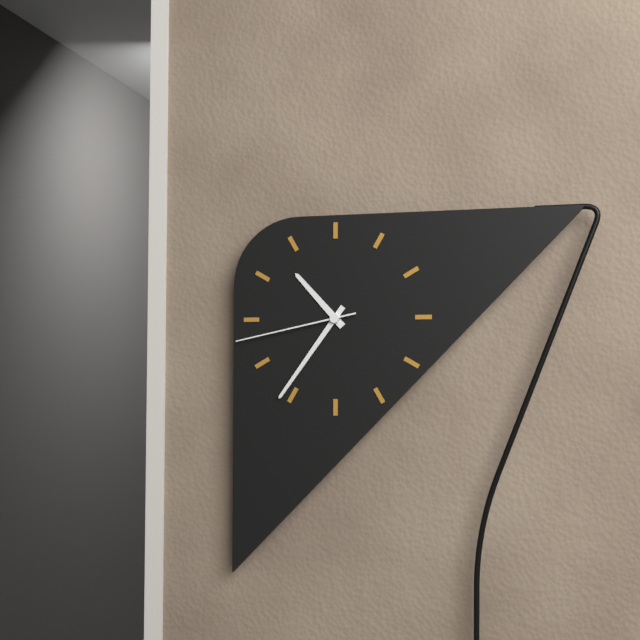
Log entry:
h=10 m=36 s=43
